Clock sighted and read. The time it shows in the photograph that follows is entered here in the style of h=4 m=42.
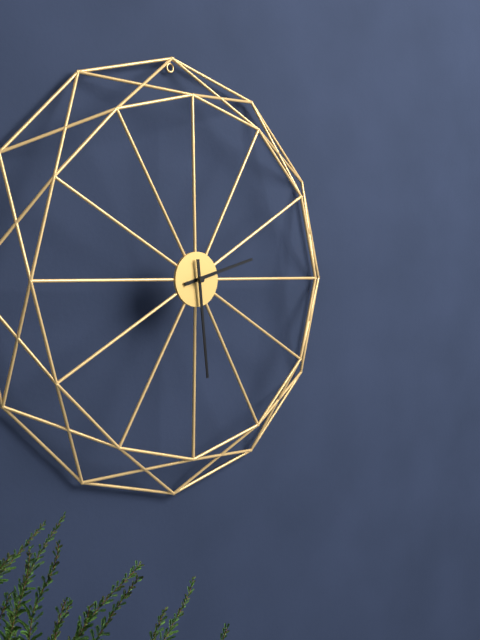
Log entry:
h=2 m=29
